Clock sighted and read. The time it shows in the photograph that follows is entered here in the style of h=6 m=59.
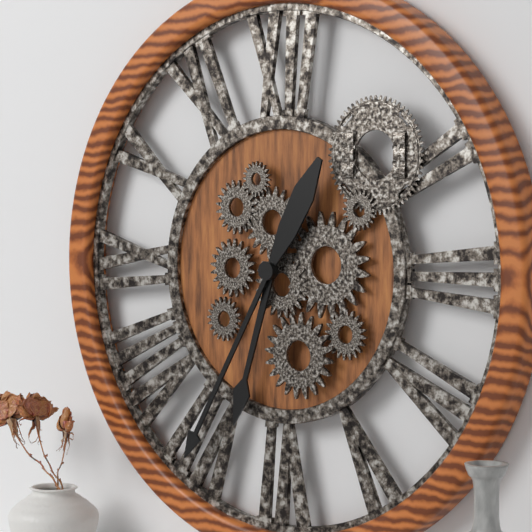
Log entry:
h=6 m=35
